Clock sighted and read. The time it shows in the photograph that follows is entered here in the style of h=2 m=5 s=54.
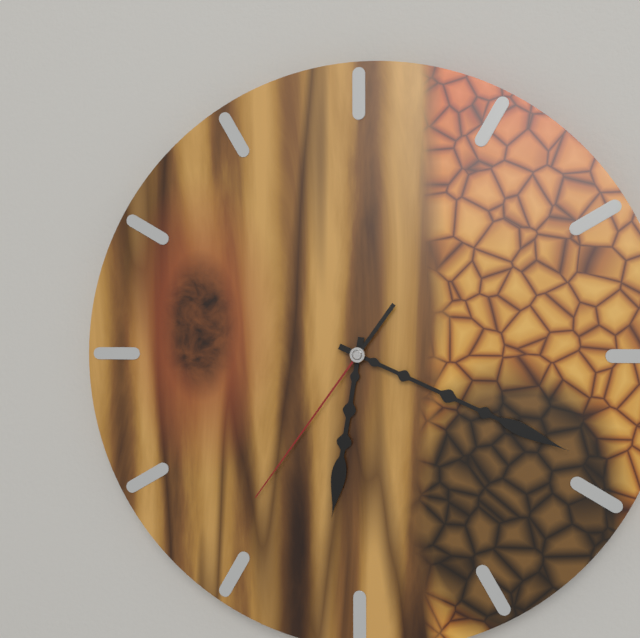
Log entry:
h=6 m=19 s=36
